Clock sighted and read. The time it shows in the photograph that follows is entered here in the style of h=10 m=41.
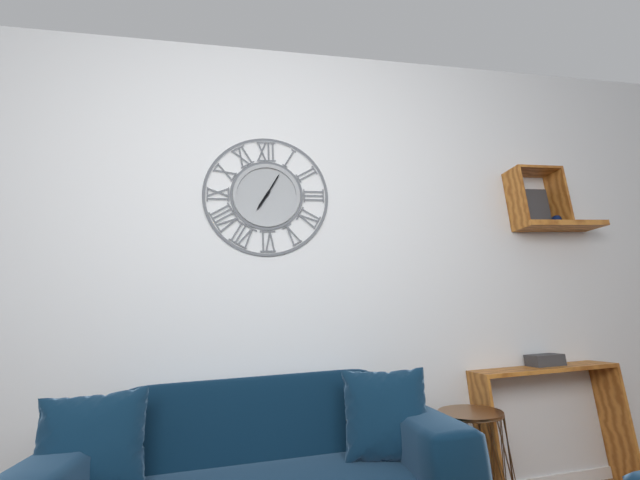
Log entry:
h=7 m=5
